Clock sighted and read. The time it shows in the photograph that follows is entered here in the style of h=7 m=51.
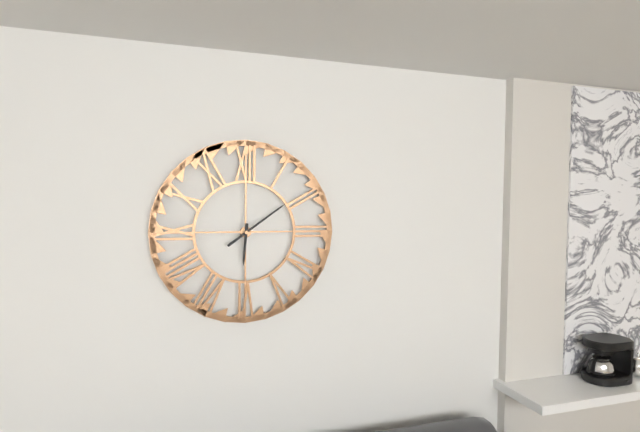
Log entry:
h=6 m=9
